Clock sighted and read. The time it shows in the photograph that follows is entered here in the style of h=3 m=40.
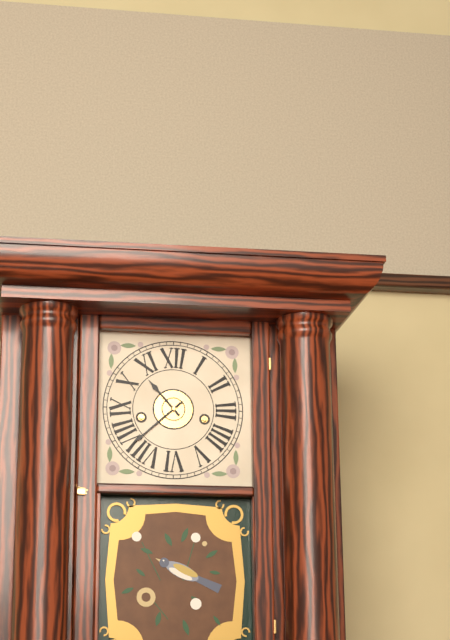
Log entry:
h=10 m=38
